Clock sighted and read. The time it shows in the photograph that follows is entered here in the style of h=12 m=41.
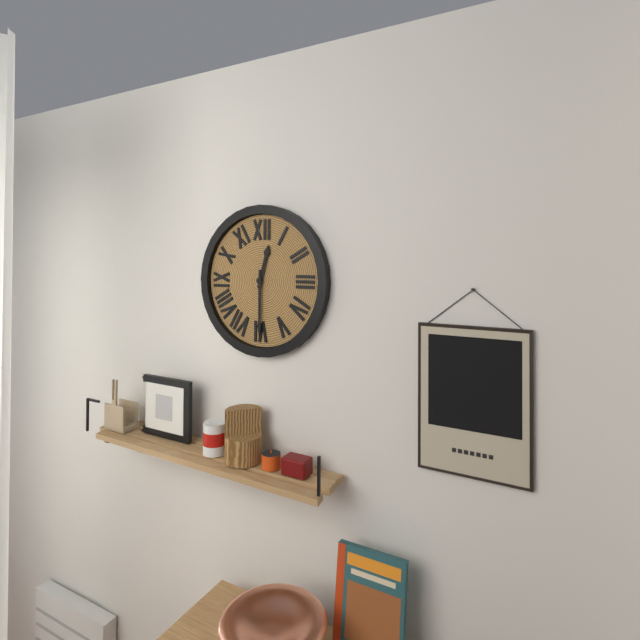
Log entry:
h=12 m=30
